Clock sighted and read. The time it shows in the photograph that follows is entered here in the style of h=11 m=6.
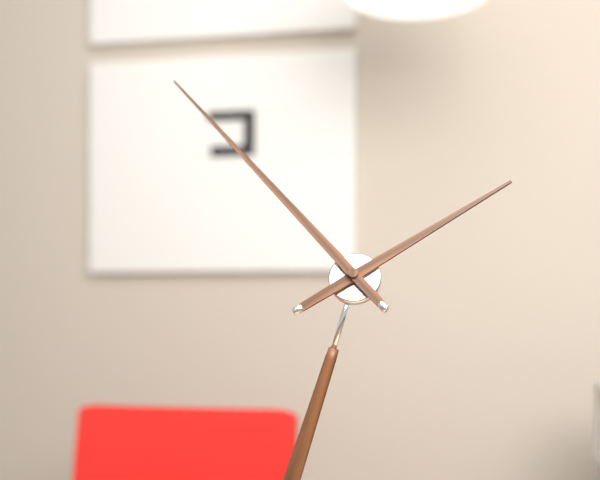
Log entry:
h=1 m=53
